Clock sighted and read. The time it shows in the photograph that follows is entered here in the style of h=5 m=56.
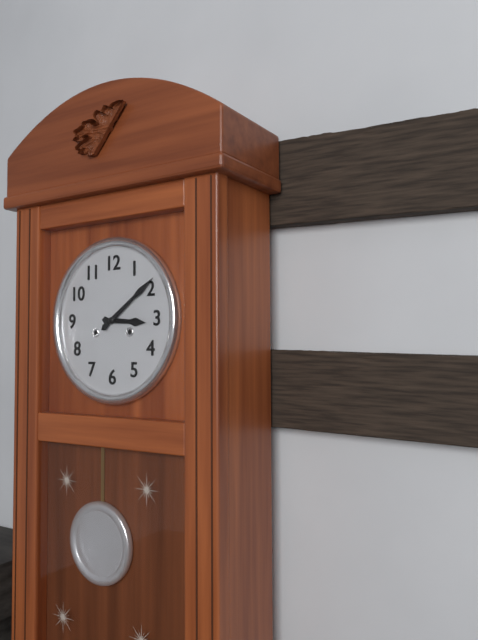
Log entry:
h=3 m=9
